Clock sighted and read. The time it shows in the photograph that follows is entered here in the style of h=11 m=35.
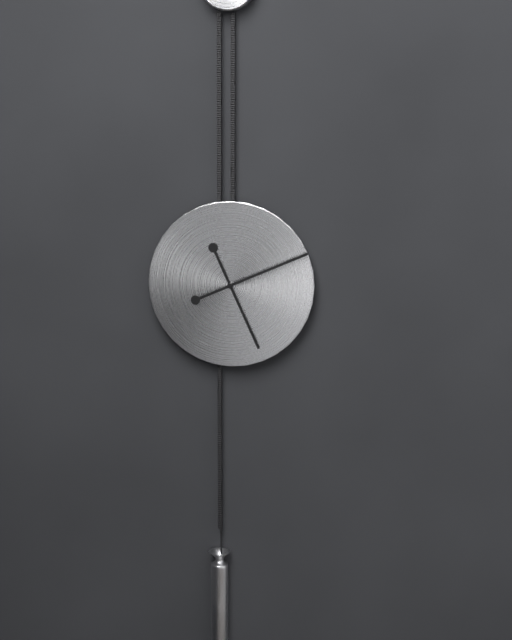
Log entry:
h=5 m=11
